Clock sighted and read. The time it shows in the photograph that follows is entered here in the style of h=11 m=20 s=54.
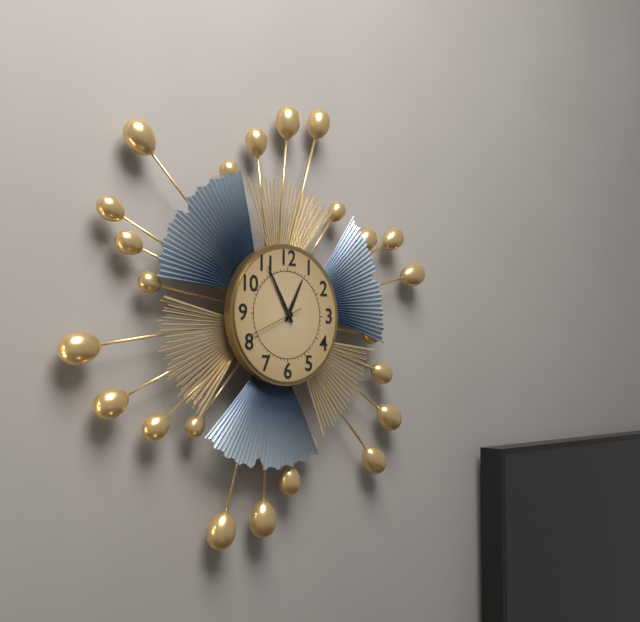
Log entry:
h=12 m=55 s=41
